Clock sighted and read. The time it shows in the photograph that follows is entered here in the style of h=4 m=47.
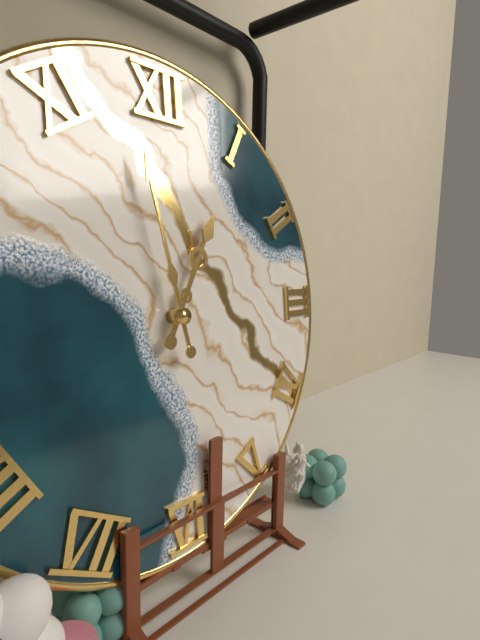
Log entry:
h=12 m=58
